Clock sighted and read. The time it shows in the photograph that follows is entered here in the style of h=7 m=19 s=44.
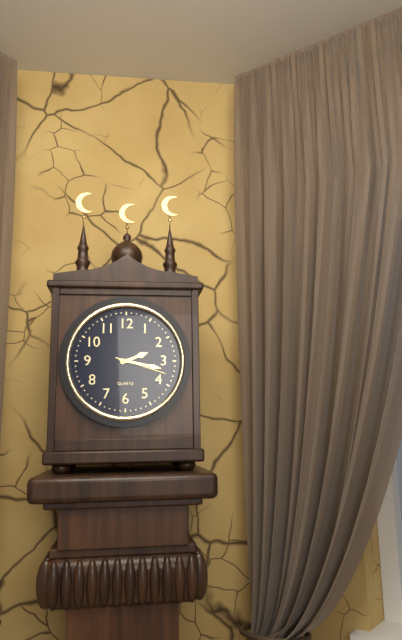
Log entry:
h=2 m=17 s=18
